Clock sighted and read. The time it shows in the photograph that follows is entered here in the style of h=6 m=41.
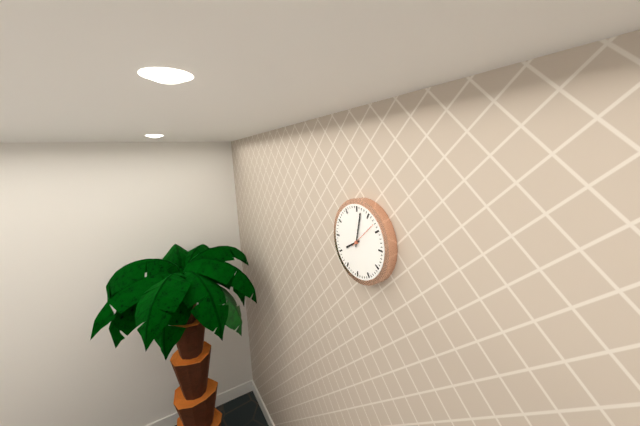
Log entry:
h=8 m=2
